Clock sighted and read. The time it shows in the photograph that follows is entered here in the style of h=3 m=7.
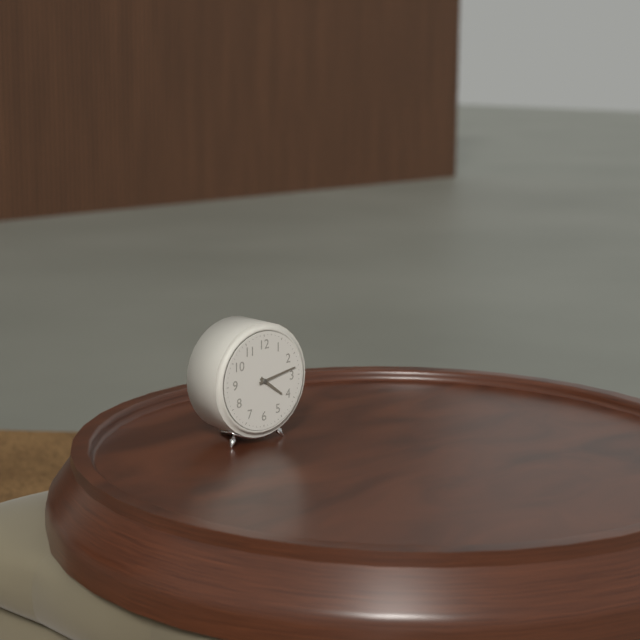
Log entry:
h=4 m=13
